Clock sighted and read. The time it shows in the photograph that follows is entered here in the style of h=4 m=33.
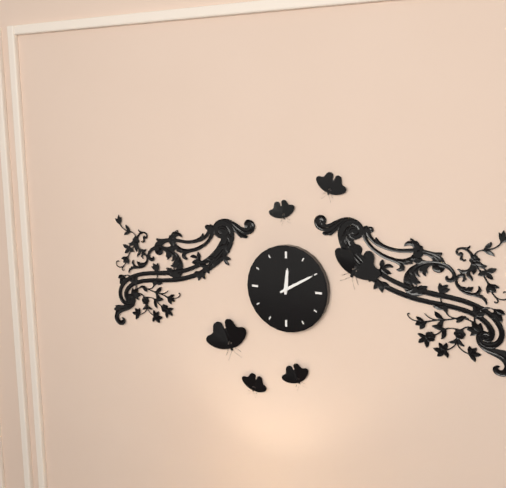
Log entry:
h=12 m=10
